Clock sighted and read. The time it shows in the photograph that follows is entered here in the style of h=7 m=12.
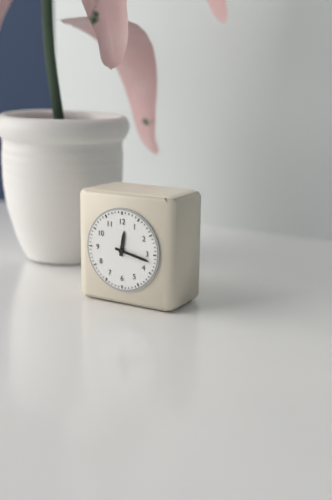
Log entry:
h=12 m=17
